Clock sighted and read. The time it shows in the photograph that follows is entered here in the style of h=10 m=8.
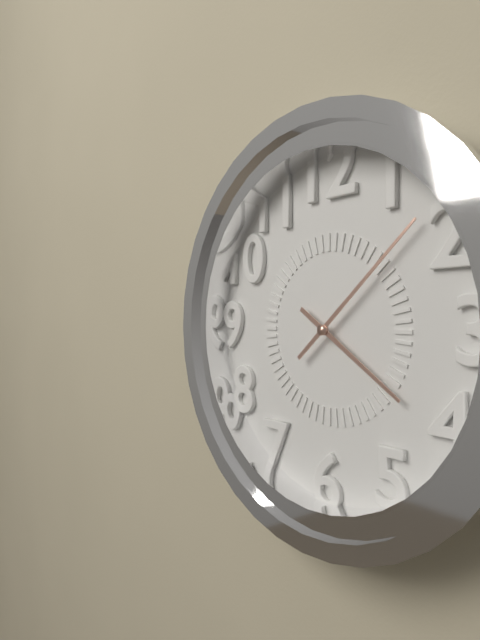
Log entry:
h=4 m=8
